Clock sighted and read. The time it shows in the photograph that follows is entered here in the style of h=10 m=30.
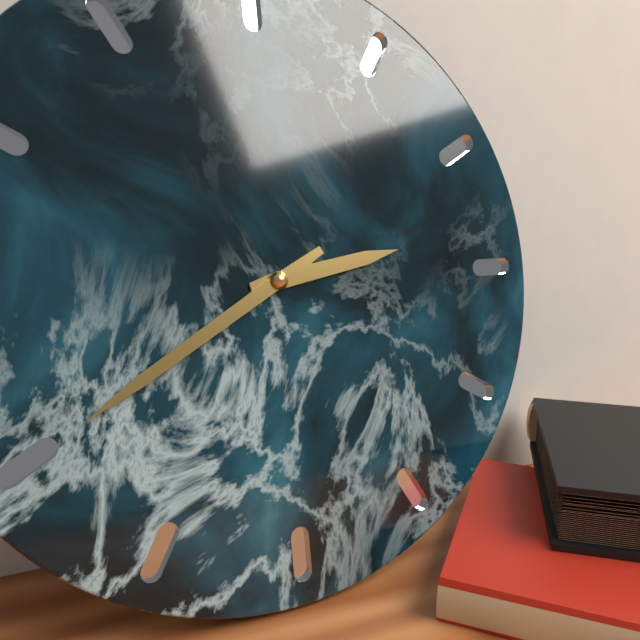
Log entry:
h=2 m=40
